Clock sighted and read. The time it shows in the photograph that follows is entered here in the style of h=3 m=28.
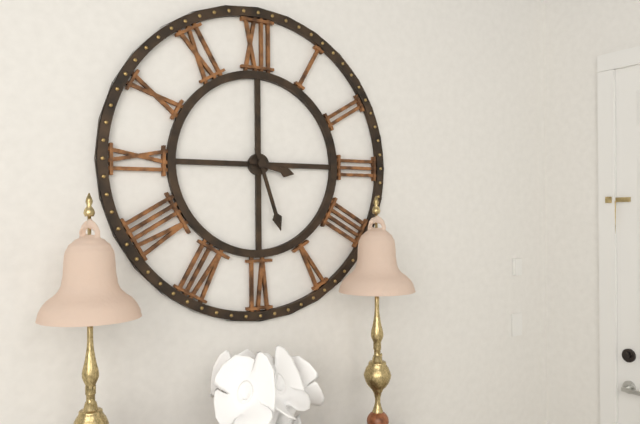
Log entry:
h=3 m=27
